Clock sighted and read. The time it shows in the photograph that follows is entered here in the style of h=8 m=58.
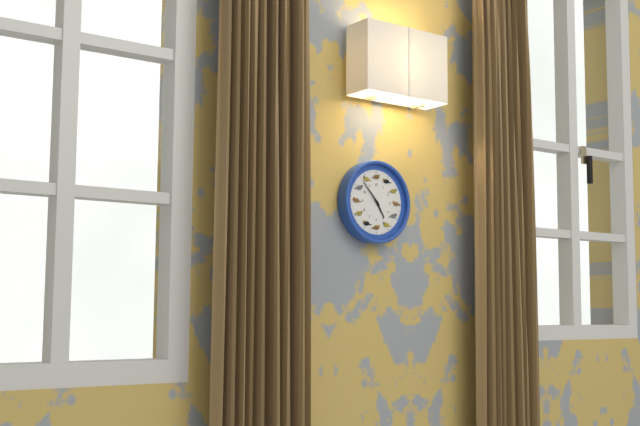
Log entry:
h=4 m=53
